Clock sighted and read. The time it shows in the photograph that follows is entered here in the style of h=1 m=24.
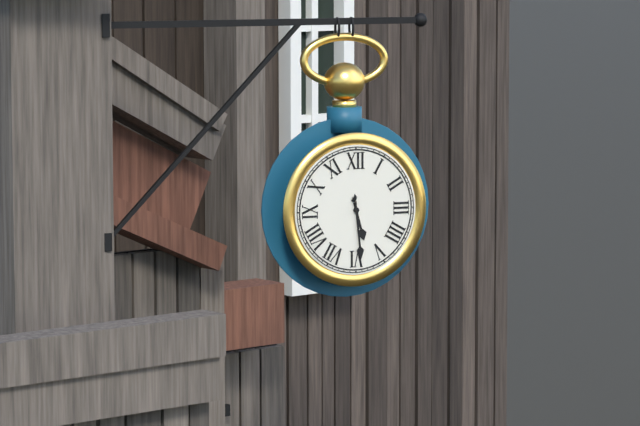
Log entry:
h=5 m=29
